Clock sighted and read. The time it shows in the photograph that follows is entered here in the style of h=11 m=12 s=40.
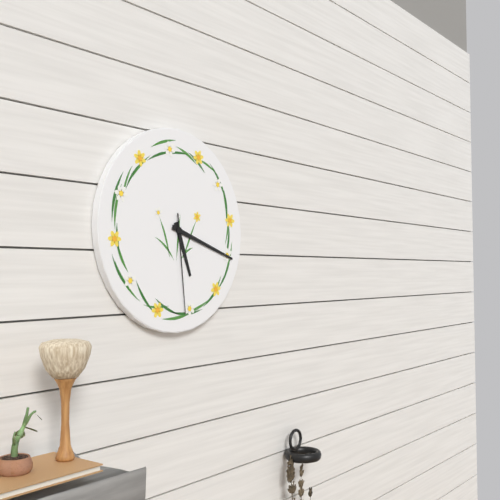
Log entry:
h=5 m=18 s=29
